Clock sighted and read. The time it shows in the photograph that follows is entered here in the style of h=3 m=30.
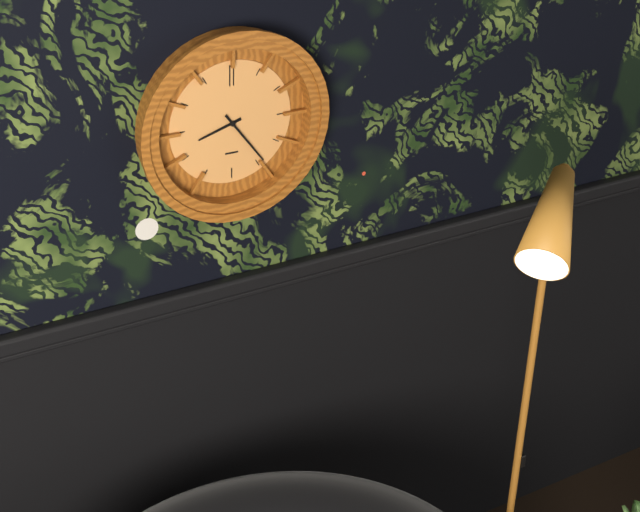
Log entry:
h=8 m=24
